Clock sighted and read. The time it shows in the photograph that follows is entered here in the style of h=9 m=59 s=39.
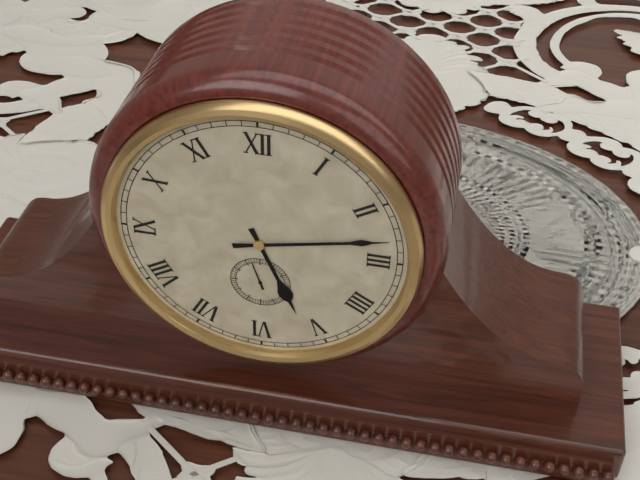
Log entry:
h=5 m=13 s=57
